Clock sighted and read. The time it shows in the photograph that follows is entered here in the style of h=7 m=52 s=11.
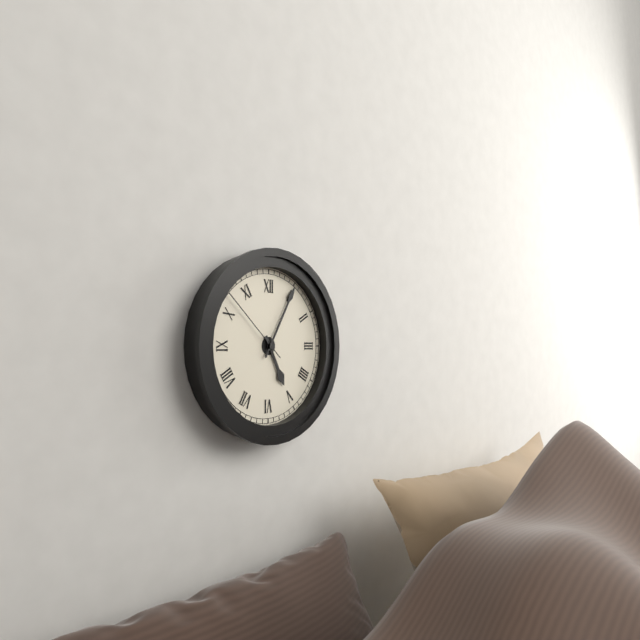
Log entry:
h=5 m=5 s=52
